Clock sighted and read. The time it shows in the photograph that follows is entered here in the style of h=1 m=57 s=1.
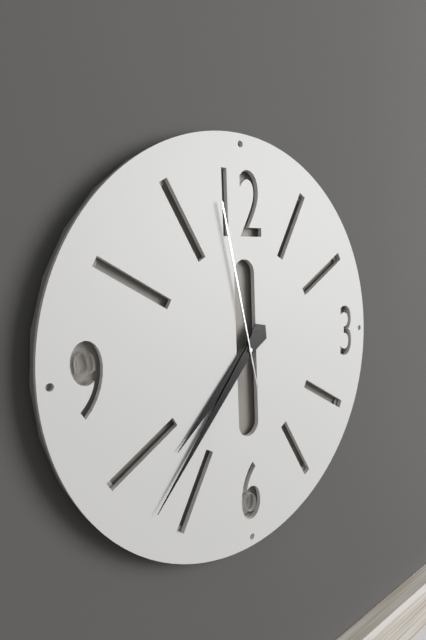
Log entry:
h=7 m=37 s=58
